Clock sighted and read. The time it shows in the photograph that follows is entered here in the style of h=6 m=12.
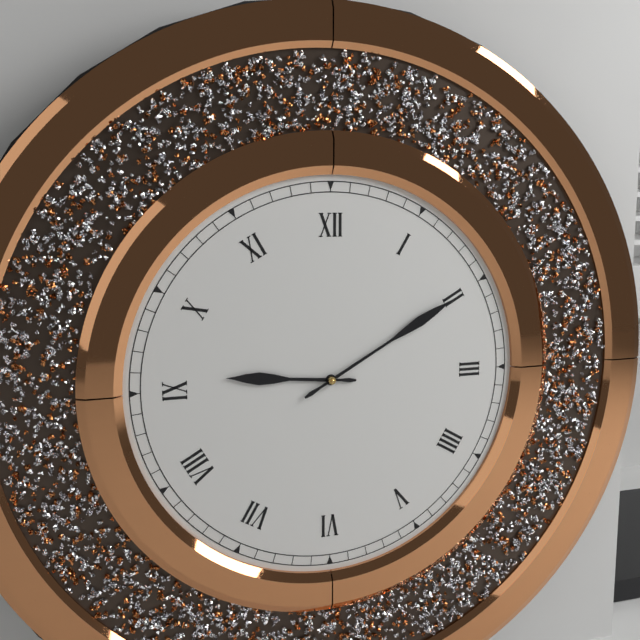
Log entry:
h=9 m=10
